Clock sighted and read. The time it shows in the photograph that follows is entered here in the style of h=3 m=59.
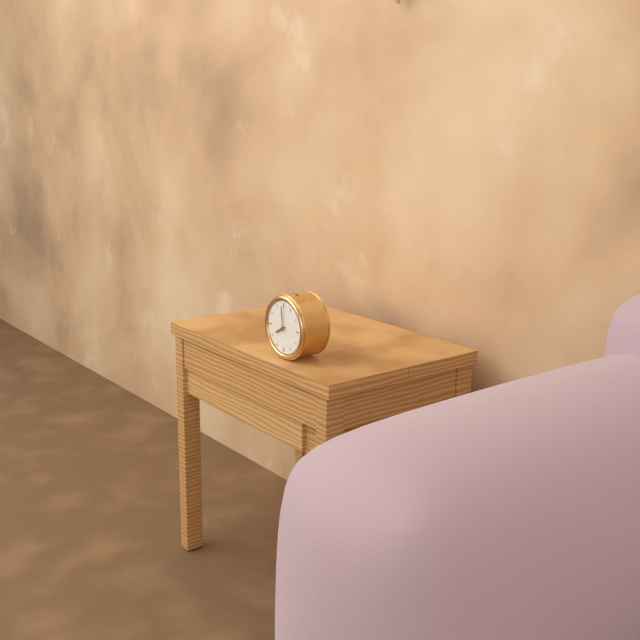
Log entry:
h=7 m=59
